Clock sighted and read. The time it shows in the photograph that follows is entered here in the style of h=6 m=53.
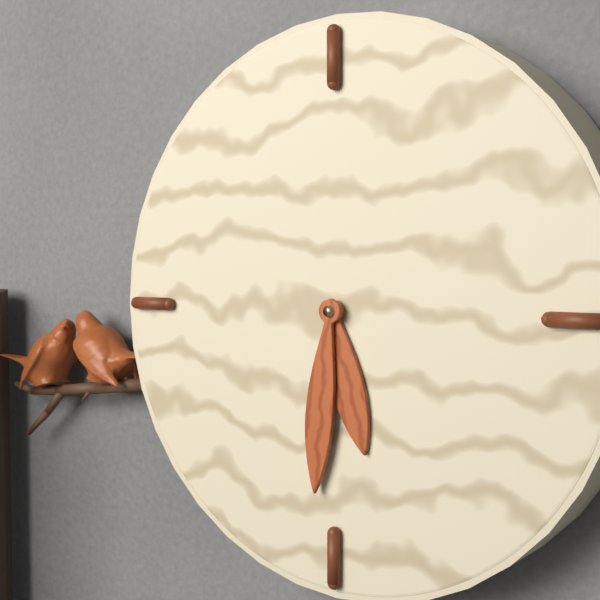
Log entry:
h=5 m=31
